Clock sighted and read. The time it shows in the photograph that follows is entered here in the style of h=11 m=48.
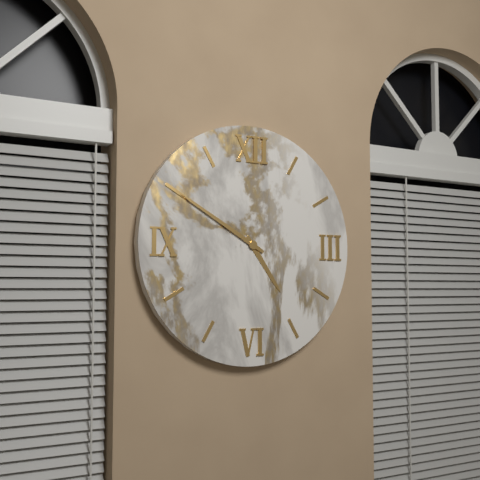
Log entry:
h=4 m=50
